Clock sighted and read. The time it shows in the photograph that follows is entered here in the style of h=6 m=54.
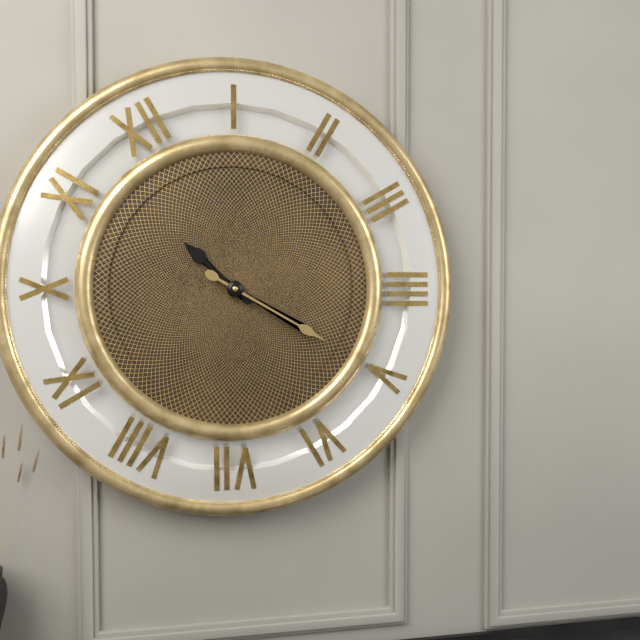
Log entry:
h=11 m=25
